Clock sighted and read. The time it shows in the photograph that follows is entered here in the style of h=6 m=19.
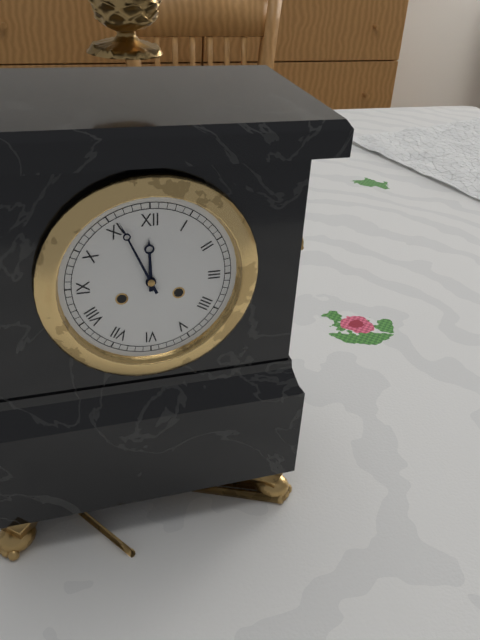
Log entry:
h=11 m=56
